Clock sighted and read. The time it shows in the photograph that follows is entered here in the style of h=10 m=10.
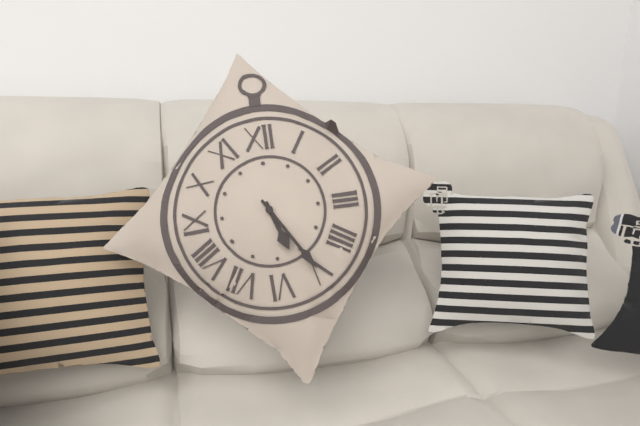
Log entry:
h=5 m=25
